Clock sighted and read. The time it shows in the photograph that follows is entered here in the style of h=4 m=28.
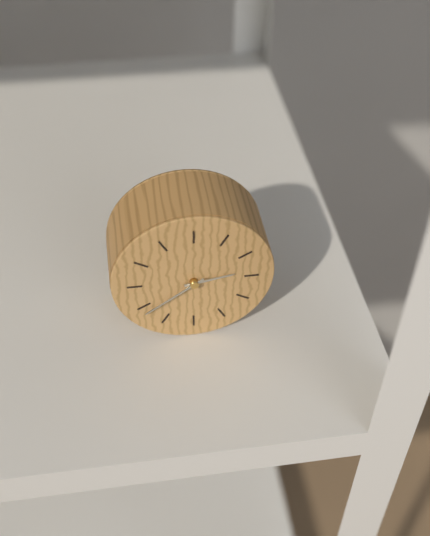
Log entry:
h=2 m=39
